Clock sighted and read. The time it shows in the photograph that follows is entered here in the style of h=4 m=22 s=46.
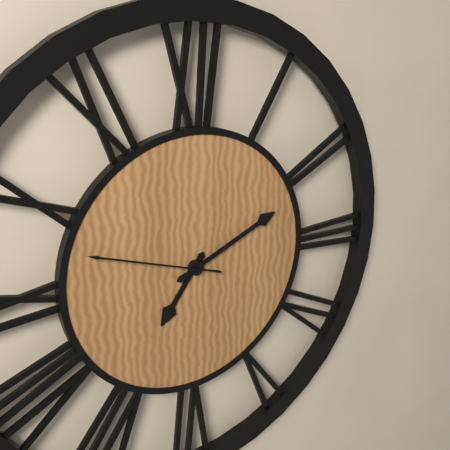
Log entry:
h=7 m=11 s=48
